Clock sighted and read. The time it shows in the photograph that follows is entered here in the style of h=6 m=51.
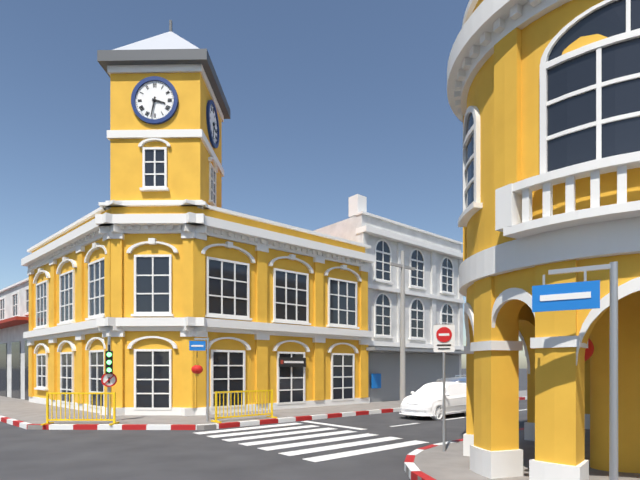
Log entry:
h=3 m=32
